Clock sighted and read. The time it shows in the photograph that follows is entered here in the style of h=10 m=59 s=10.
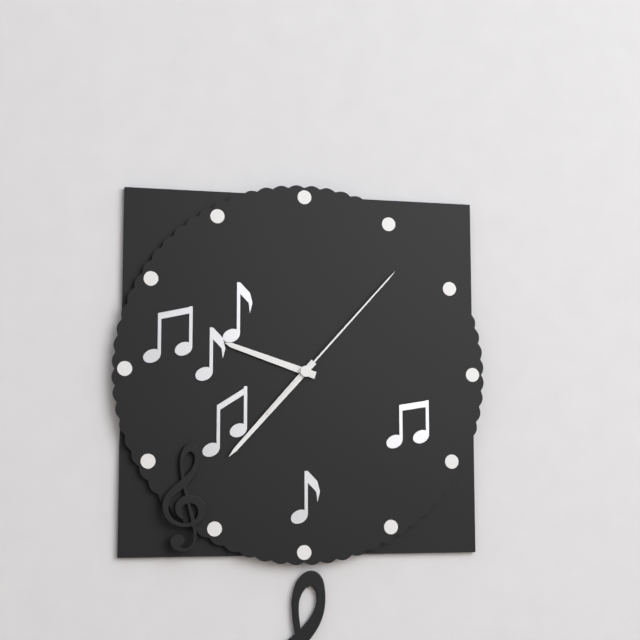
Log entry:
h=9 m=37 s=7
